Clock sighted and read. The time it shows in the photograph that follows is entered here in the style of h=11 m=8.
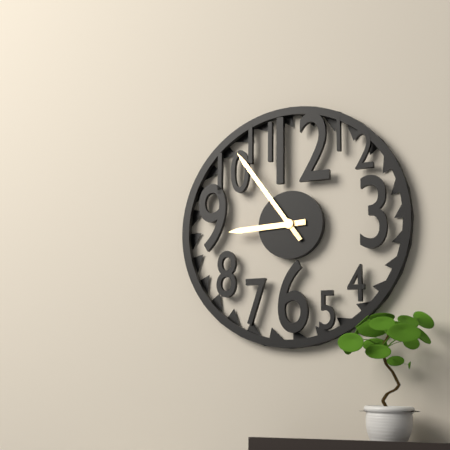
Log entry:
h=8 m=54
